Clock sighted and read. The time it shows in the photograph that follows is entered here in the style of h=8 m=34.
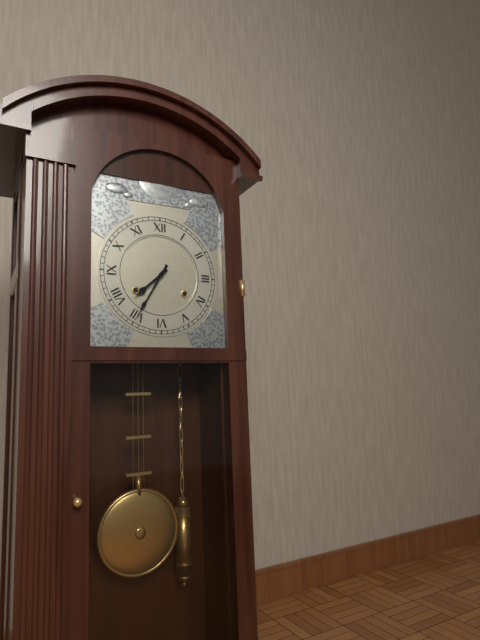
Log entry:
h=7 m=35
